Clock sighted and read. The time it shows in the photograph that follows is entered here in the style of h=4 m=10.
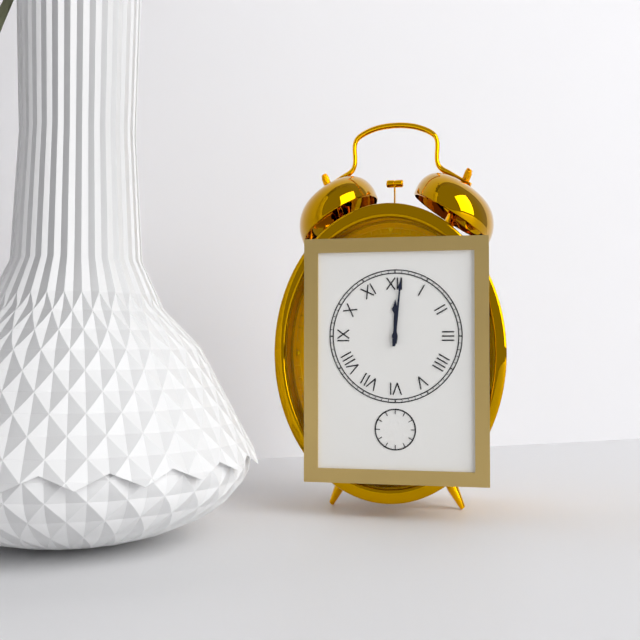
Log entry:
h=12 m=1
